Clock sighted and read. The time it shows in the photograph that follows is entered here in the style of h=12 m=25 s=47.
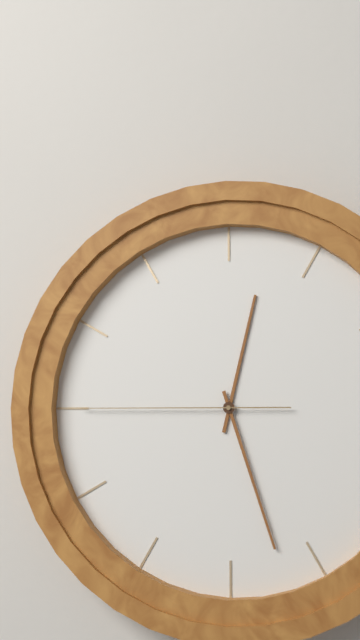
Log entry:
h=12 m=27 s=45
